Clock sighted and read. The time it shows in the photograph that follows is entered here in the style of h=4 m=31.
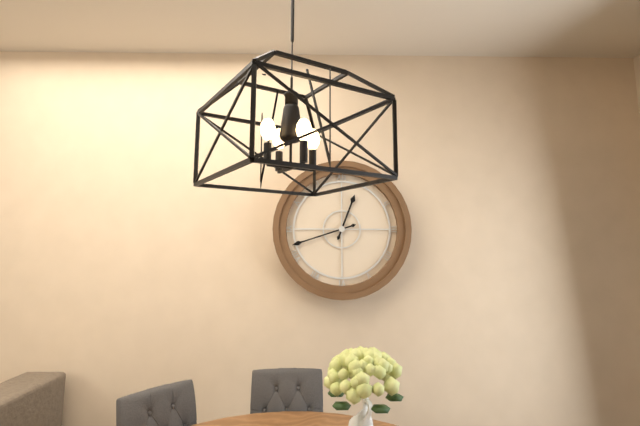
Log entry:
h=12 m=42
